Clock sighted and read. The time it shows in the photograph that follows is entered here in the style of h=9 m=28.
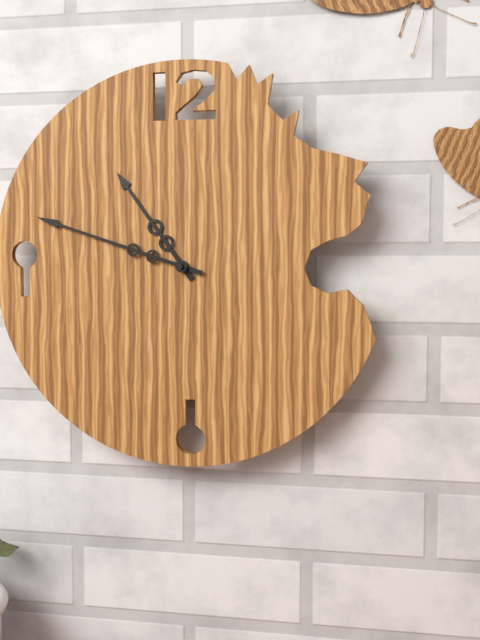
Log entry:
h=10 m=48
